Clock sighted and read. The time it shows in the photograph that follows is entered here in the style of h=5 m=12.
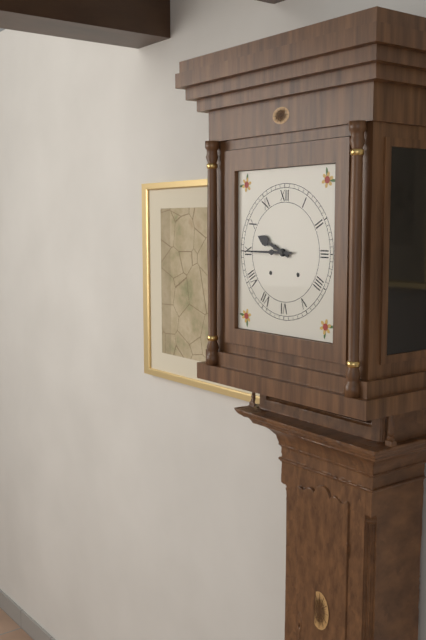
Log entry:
h=9 m=45
